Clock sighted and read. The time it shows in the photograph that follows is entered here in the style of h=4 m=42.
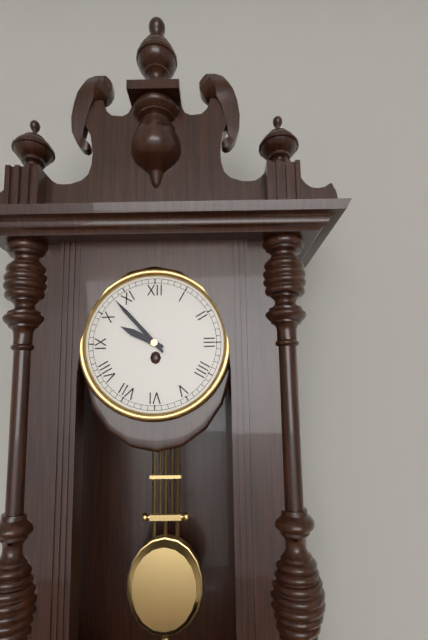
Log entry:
h=9 m=53
